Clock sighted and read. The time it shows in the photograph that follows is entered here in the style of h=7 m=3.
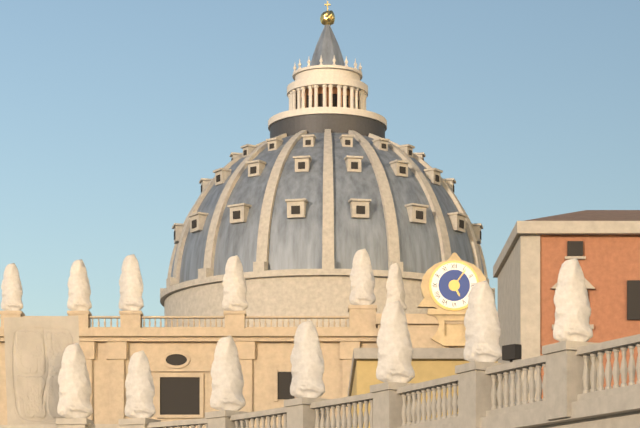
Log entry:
h=5 m=6
